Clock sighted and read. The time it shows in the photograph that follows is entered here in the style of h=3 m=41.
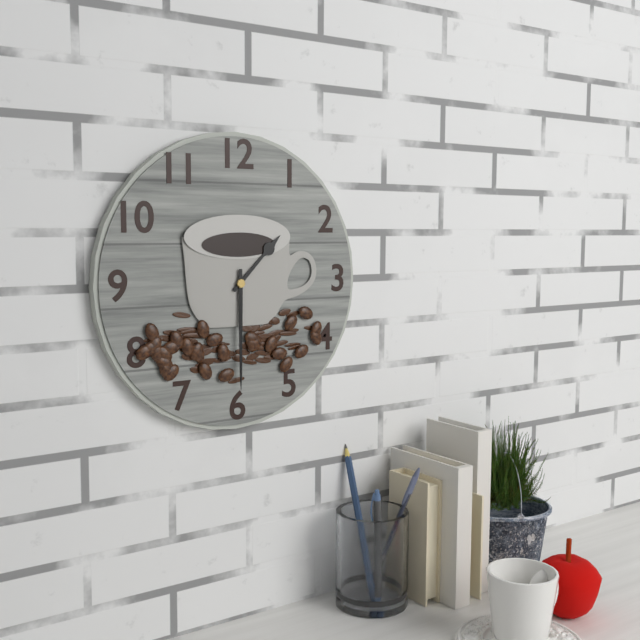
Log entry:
h=1 m=30
